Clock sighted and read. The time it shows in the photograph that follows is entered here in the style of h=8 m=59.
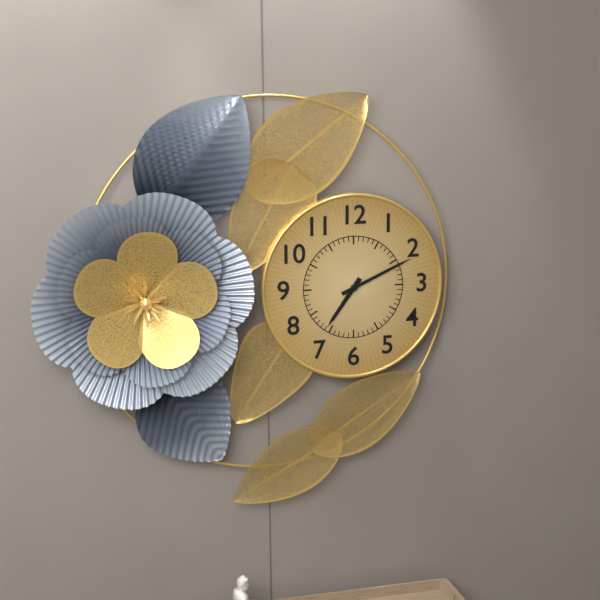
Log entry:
h=7 m=11
